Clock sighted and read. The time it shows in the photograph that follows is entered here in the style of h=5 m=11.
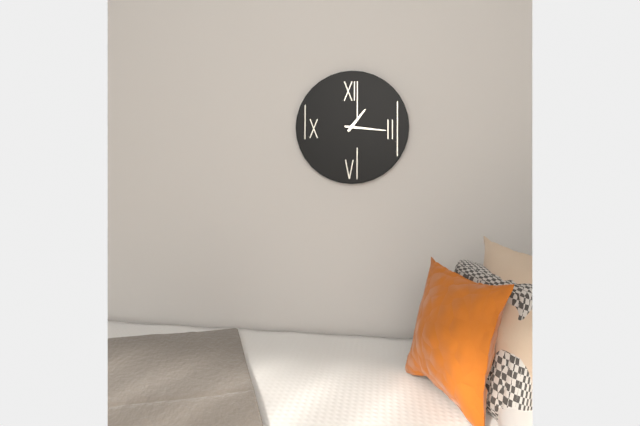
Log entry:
h=1 m=16
